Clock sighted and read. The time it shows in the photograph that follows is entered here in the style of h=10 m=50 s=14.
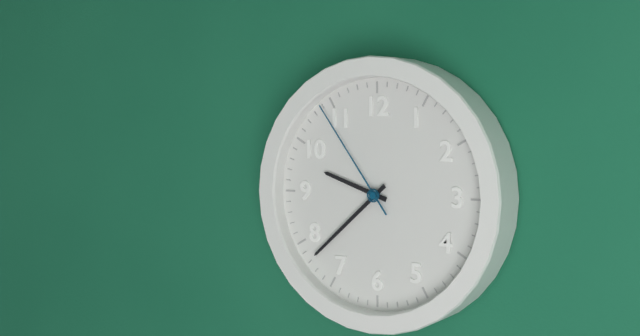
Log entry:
h=9 m=38 s=54
